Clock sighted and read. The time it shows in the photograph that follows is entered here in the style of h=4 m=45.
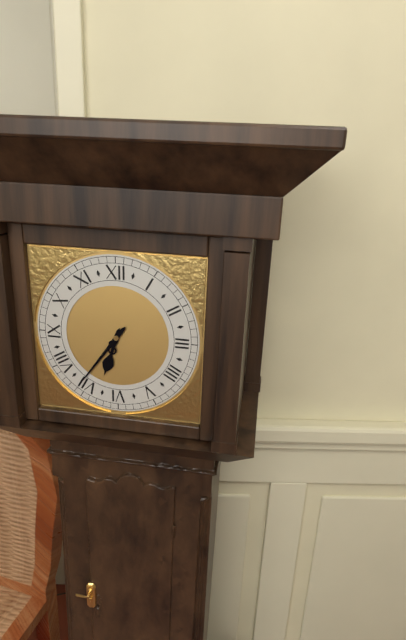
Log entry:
h=6 m=36
